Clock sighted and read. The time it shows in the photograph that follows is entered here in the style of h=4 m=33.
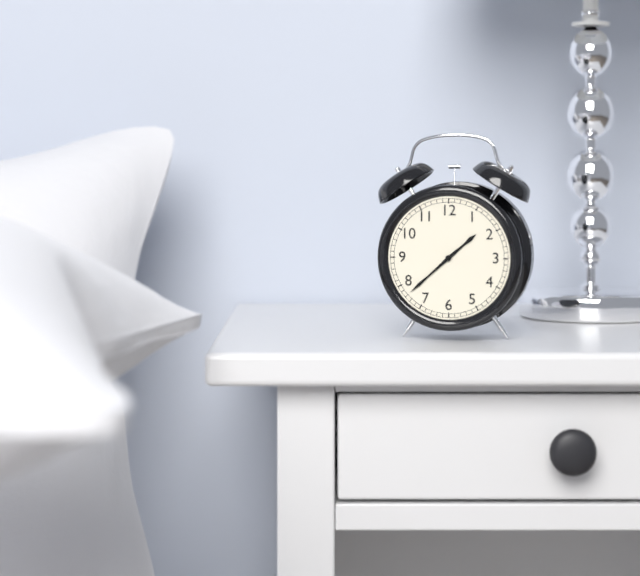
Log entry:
h=1 m=38
